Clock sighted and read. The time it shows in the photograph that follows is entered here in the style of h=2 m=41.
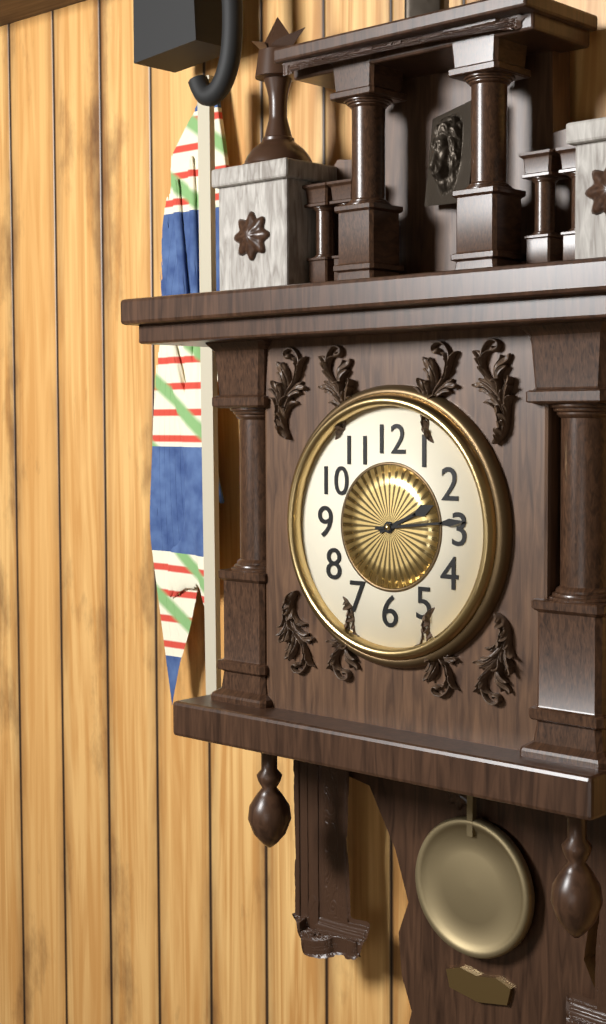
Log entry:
h=2 m=14
